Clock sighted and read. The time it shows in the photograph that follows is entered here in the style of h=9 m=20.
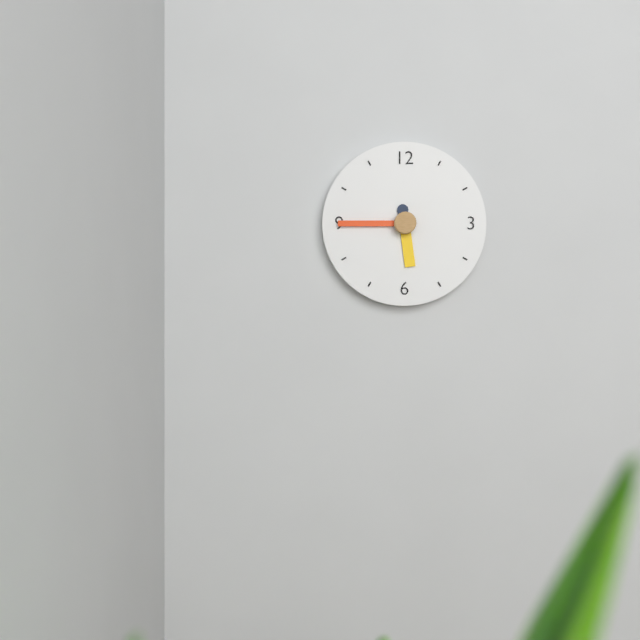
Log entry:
h=5 m=45
